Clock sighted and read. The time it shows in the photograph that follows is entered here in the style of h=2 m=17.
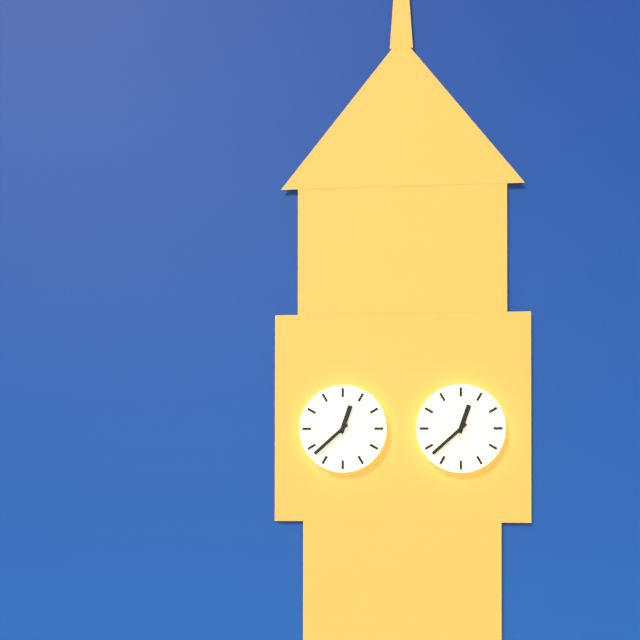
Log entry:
h=12 m=38
